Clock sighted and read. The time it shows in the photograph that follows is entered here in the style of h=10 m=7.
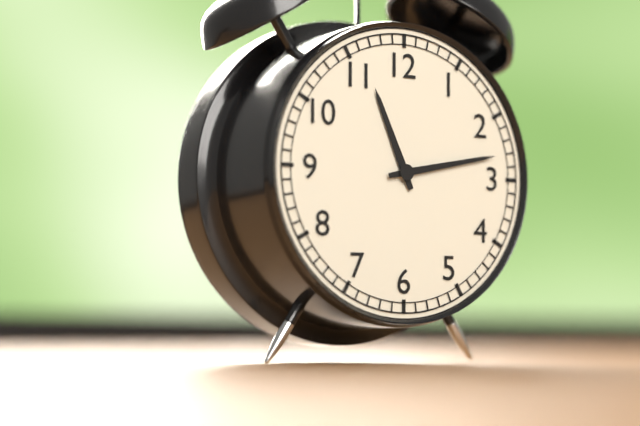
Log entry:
h=11 m=13
